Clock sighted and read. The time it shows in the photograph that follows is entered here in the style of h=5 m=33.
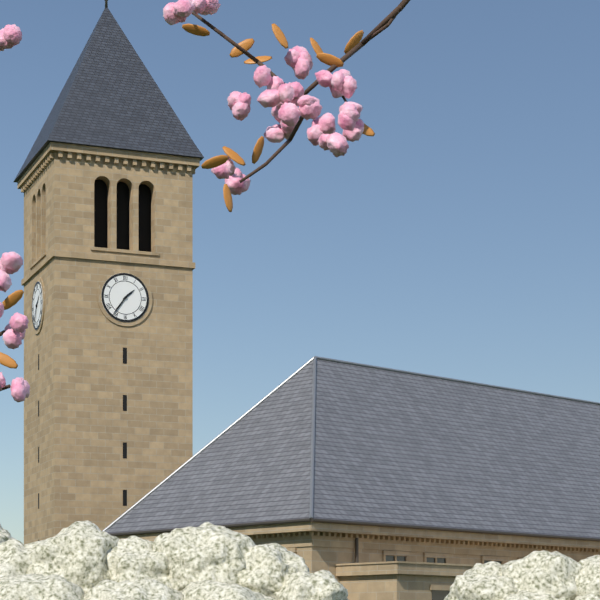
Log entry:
h=1 m=36
